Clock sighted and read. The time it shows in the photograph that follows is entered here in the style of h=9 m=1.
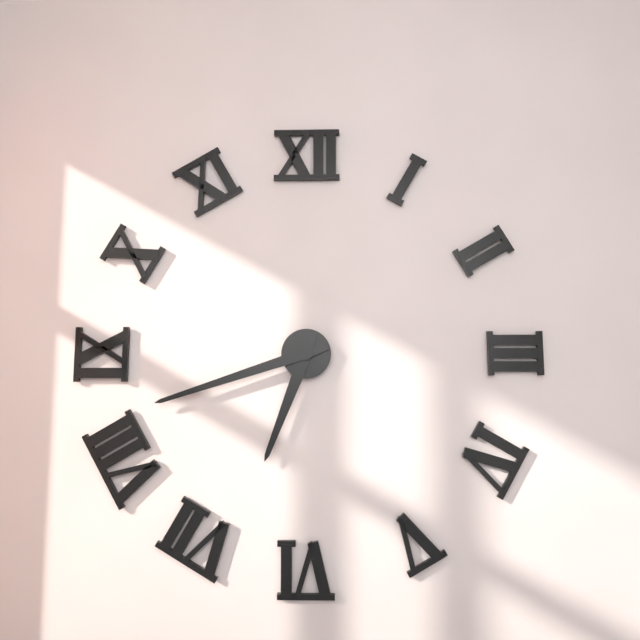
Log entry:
h=6 m=42
